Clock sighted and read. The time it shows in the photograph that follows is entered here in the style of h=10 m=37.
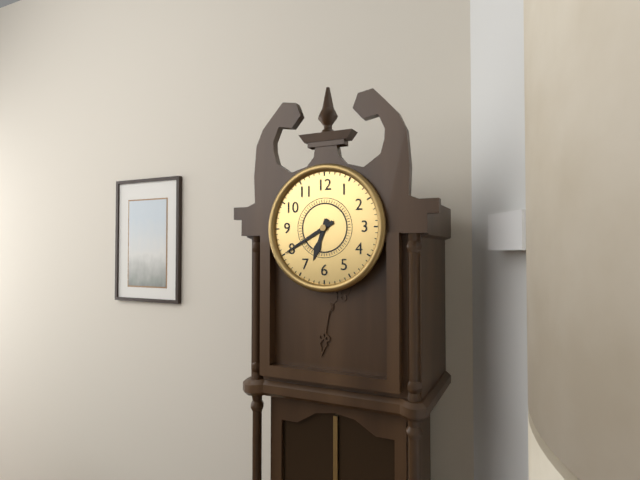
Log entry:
h=6 m=40
